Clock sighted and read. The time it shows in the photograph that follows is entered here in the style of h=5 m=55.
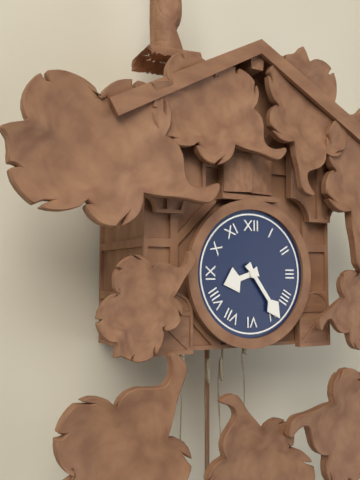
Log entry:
h=8 m=24
